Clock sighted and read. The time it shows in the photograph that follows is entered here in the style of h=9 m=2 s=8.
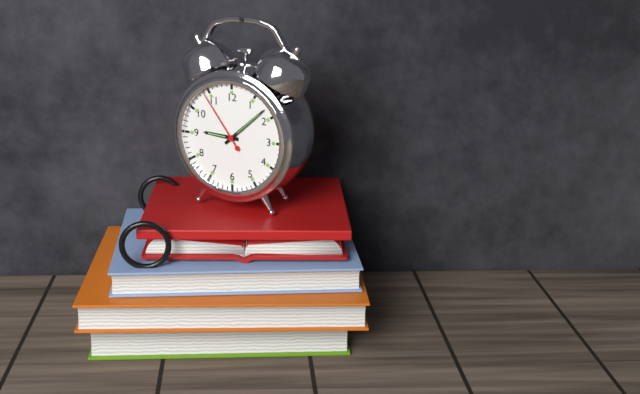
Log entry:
h=9 m=8 s=54
